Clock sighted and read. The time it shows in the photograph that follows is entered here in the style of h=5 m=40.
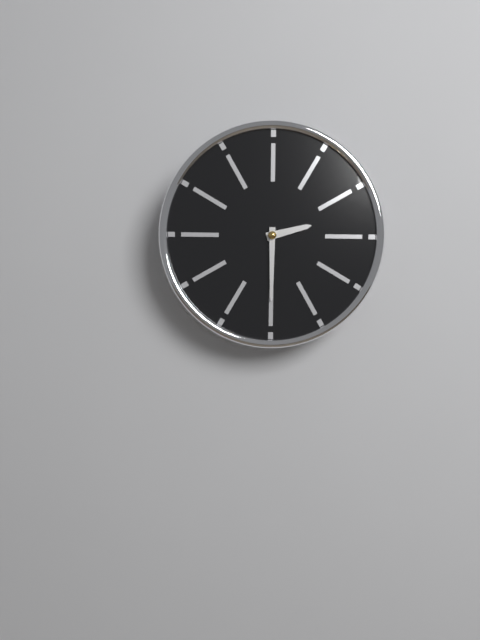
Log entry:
h=2 m=30
